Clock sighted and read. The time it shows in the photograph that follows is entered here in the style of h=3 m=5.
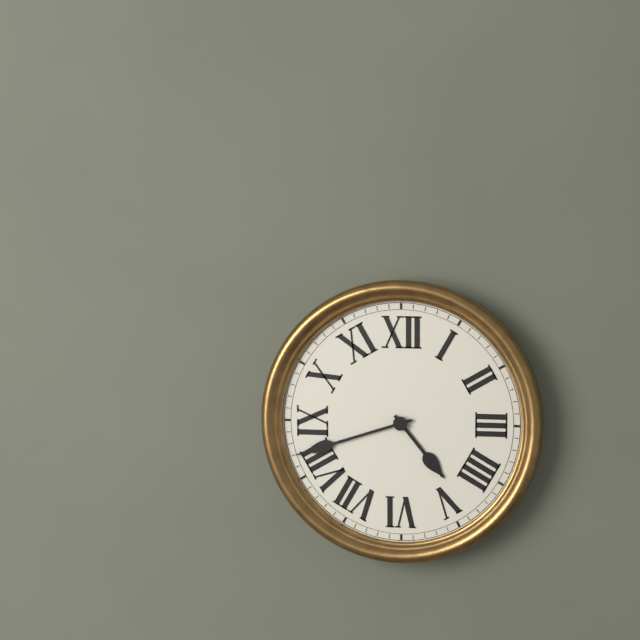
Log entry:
h=4 m=42
